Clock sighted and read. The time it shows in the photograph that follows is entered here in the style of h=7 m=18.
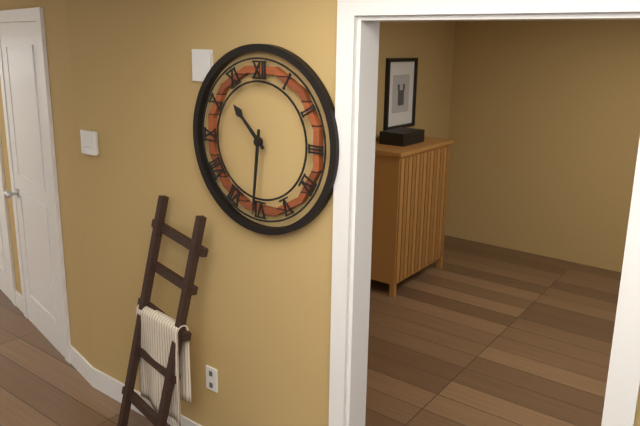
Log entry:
h=10 m=31
